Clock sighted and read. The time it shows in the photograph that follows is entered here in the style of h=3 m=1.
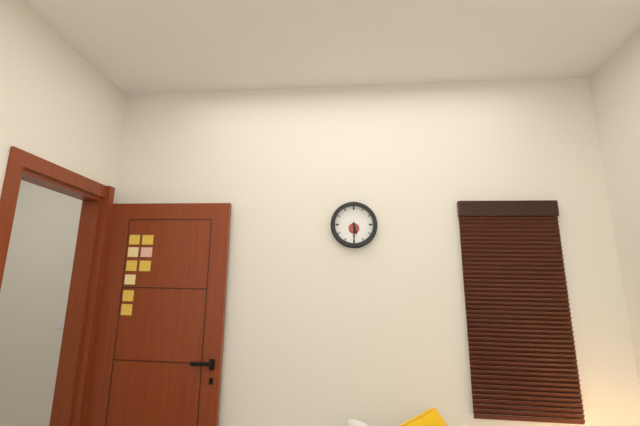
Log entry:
h=5 m=30
